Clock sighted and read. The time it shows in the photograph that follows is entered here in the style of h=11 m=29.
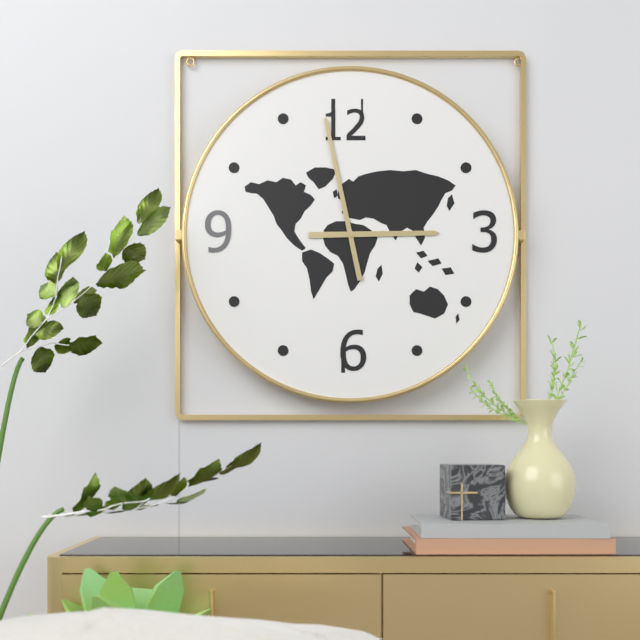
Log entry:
h=2 m=58
